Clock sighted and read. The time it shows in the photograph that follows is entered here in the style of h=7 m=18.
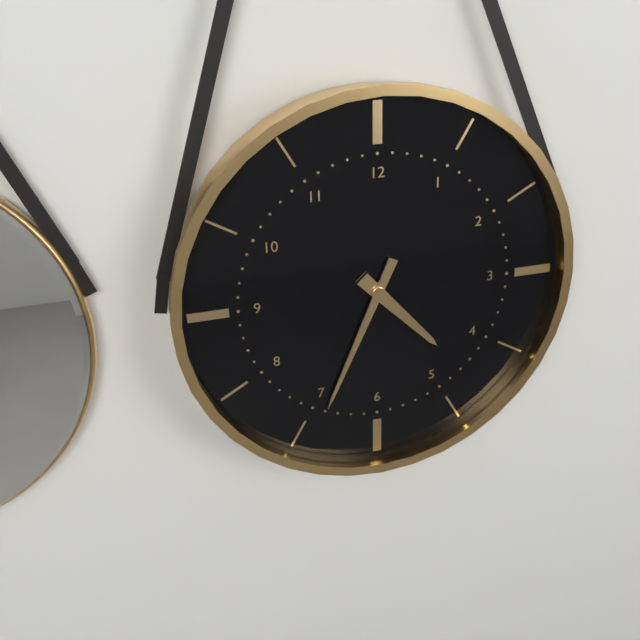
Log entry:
h=4 m=34
